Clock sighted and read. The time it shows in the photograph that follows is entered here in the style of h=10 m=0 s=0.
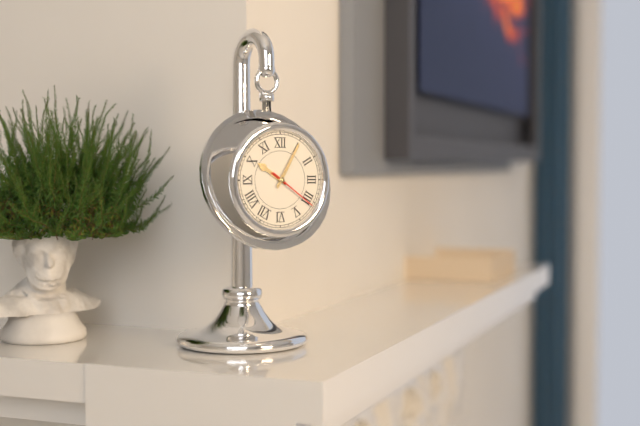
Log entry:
h=10 m=5 s=21
